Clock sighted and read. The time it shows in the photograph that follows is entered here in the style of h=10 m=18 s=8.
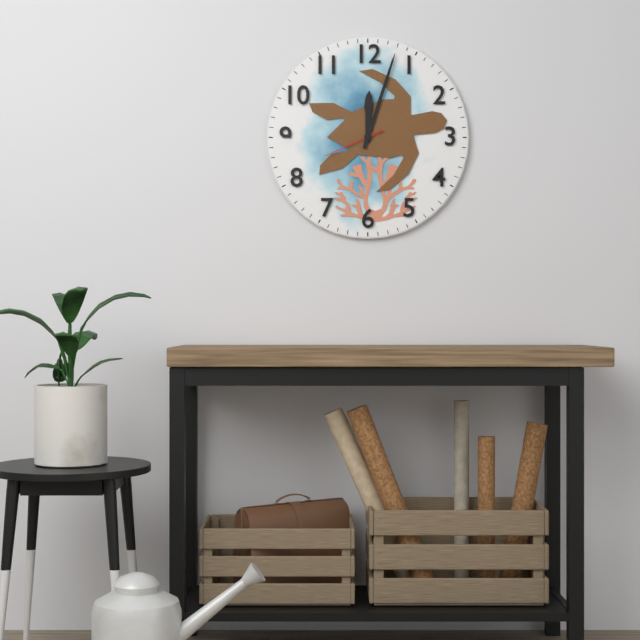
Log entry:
h=12 m=3 s=41
